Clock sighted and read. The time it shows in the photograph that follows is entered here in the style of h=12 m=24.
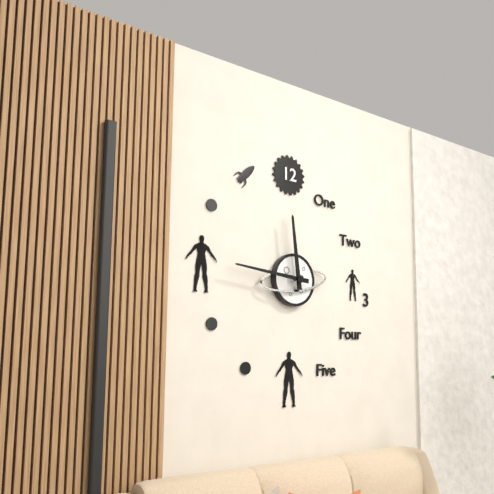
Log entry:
h=11 m=46
